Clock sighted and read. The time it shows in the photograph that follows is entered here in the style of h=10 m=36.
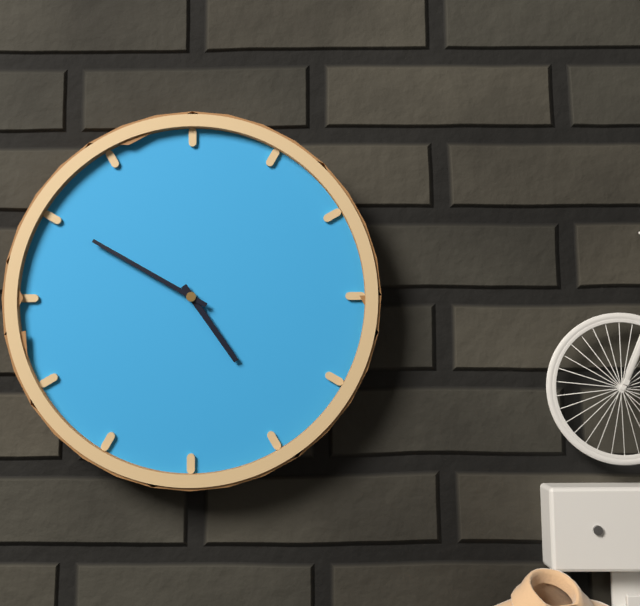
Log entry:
h=4 m=50
